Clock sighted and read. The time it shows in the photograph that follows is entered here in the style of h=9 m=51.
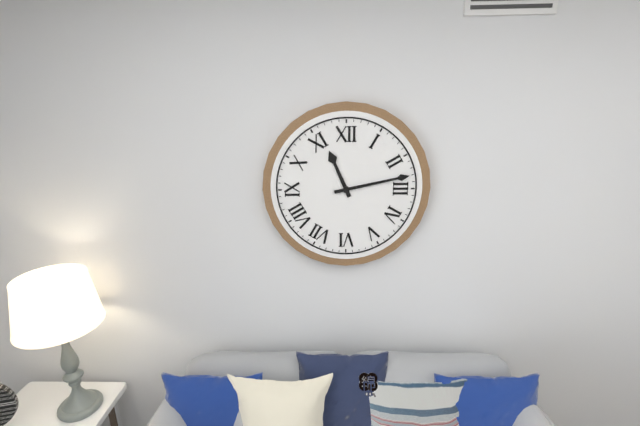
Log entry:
h=11 m=13
